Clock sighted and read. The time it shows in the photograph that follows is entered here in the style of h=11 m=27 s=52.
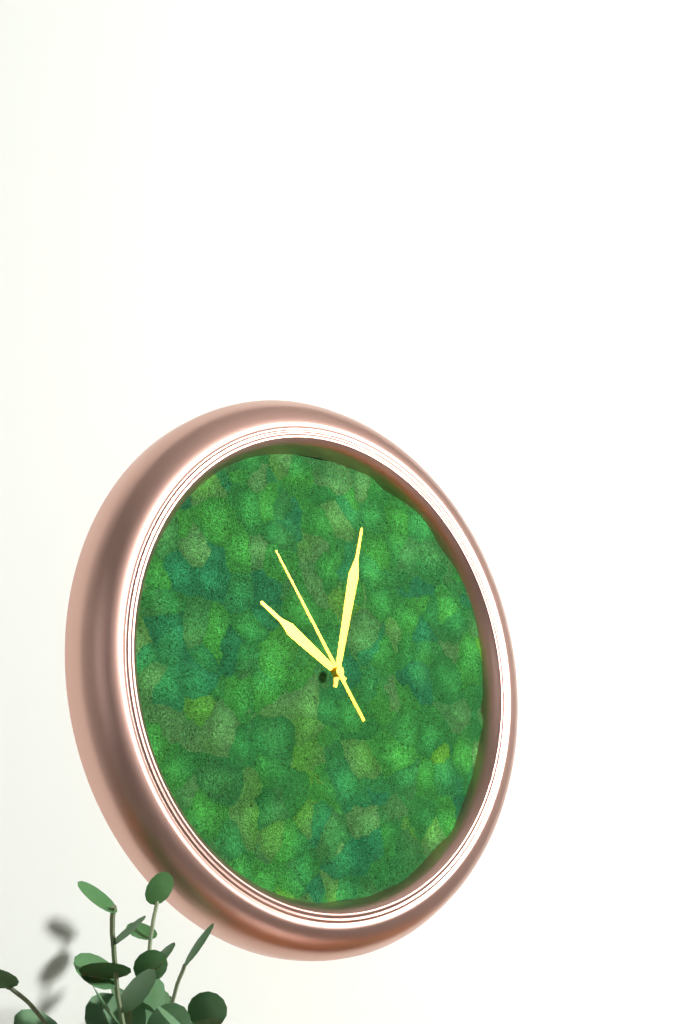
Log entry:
h=10 m=2 s=54
